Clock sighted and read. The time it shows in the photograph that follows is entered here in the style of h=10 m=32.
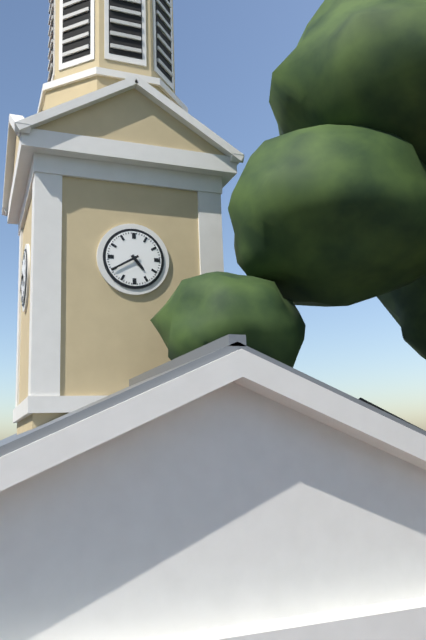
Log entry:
h=4 m=40
